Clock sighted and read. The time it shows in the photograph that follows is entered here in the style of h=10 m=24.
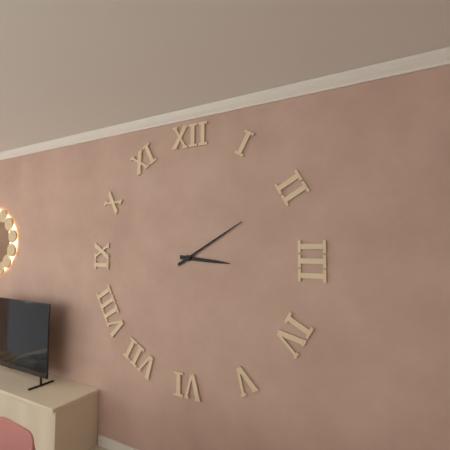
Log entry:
h=3 m=10
